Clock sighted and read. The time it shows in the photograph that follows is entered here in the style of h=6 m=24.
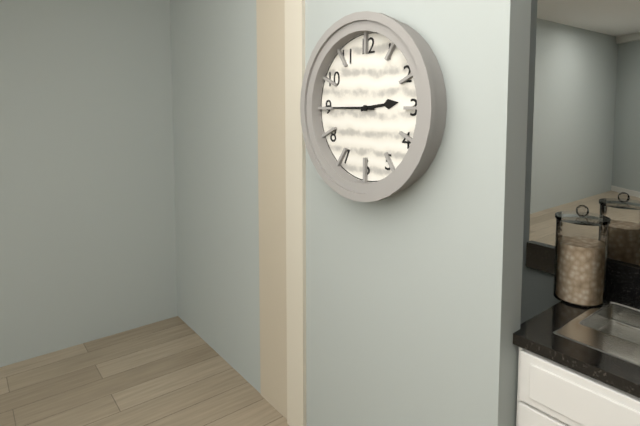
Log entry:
h=2 m=45
